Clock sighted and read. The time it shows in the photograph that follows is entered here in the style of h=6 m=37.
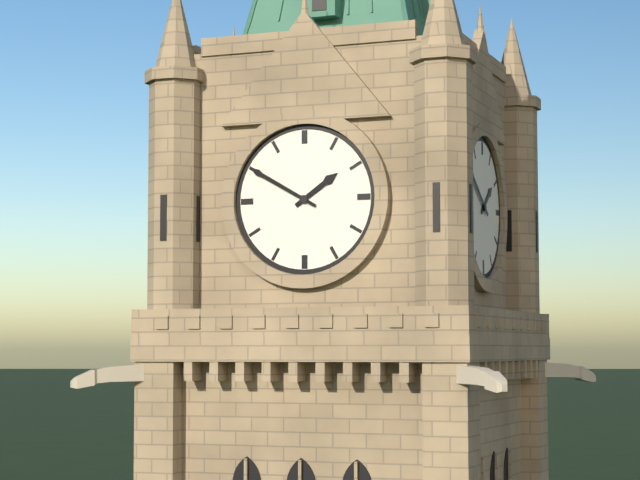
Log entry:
h=1 m=50
